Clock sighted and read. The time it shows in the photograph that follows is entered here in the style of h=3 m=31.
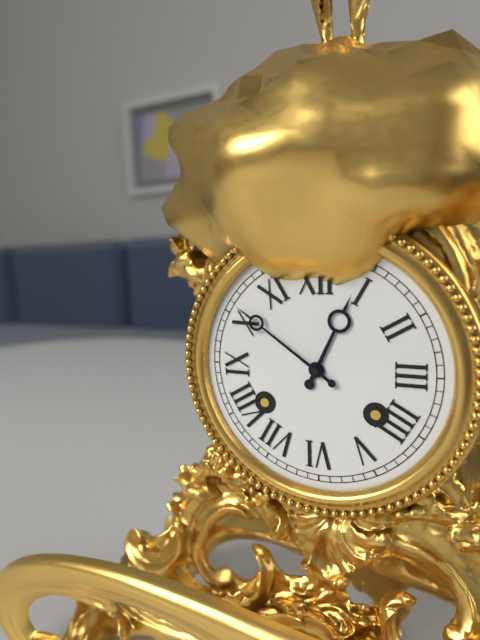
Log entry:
h=12 m=51
